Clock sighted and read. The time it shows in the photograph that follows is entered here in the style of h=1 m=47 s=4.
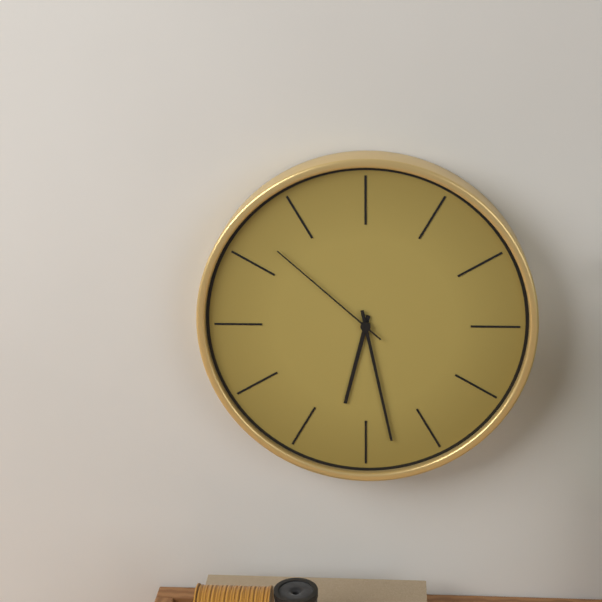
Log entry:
h=6 m=28 s=52
